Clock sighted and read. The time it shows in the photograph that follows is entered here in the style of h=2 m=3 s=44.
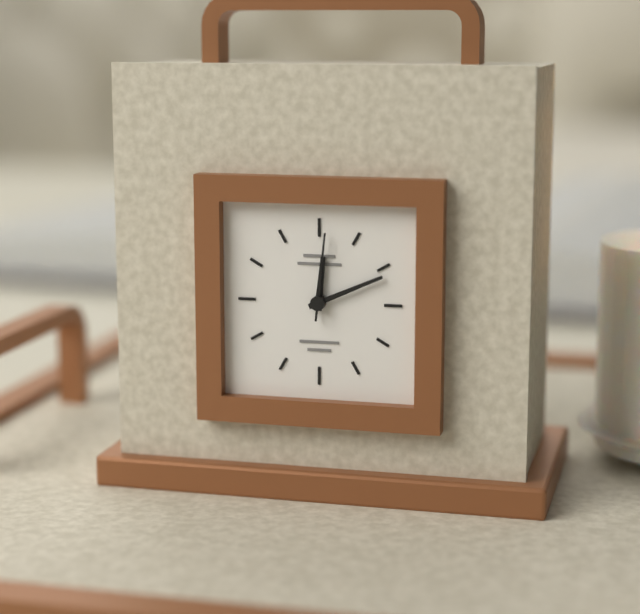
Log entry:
h=12 m=11 s=1
